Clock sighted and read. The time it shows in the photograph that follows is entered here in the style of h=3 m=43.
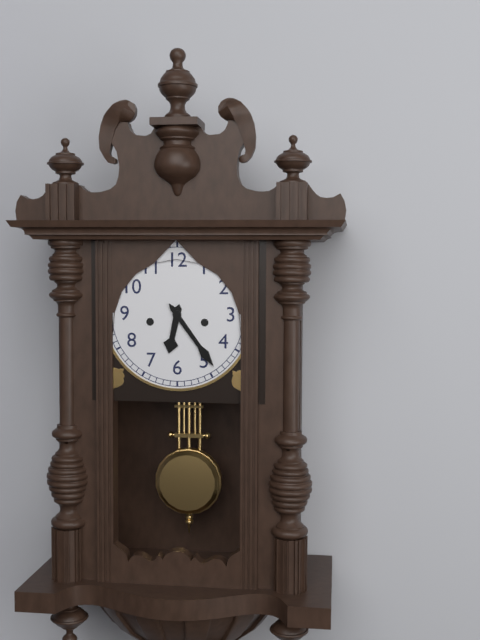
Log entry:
h=6 m=24
